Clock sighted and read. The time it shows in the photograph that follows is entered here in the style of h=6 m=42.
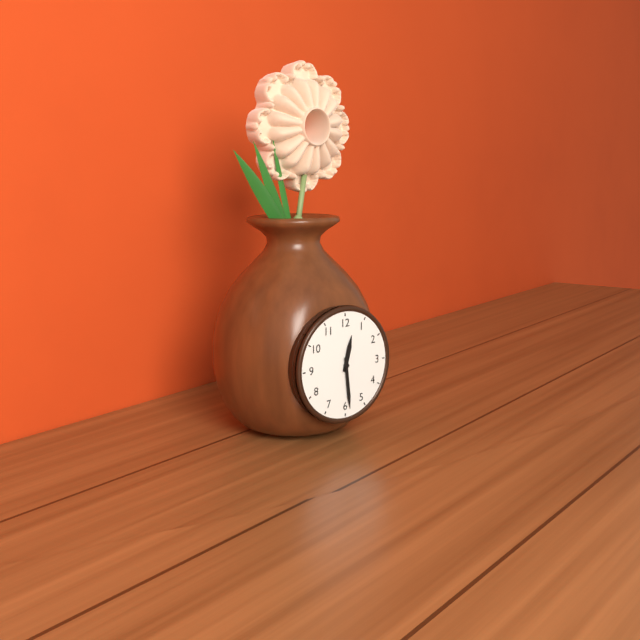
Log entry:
h=12 m=29
